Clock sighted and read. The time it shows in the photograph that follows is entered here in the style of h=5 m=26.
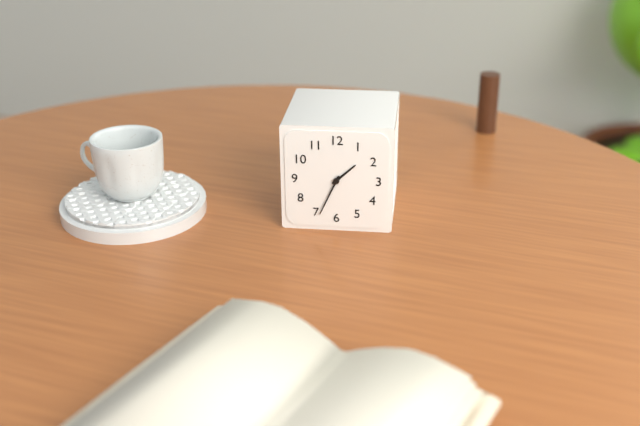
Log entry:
h=1 m=34
